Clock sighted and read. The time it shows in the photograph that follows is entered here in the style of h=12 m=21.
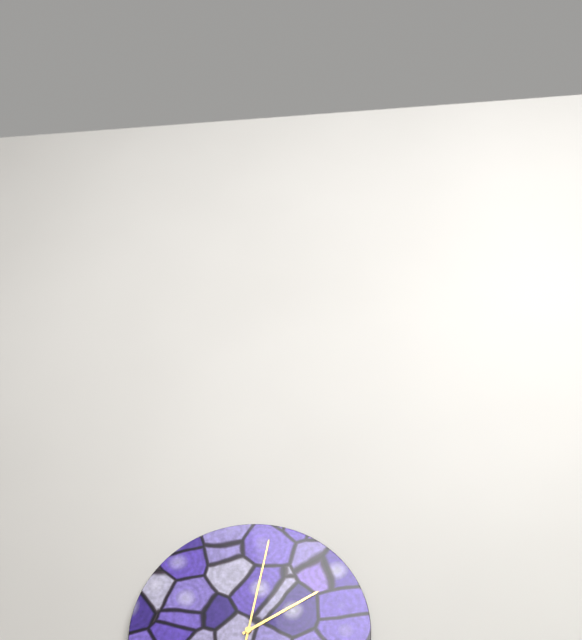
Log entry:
h=2 m=2
